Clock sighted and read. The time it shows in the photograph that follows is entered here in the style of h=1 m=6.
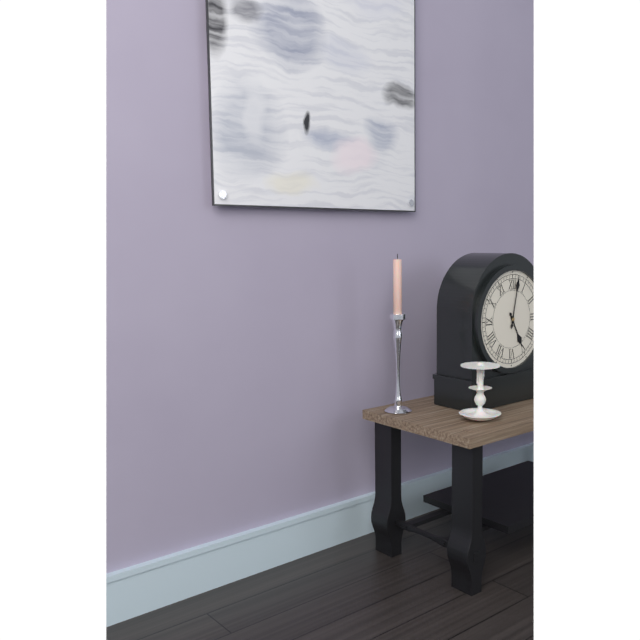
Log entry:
h=5 m=2
